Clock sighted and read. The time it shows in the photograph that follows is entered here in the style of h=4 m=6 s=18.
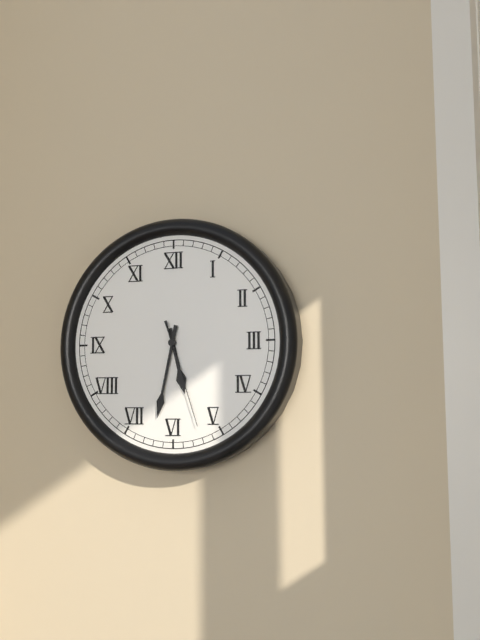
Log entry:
h=5 m=32 s=27
